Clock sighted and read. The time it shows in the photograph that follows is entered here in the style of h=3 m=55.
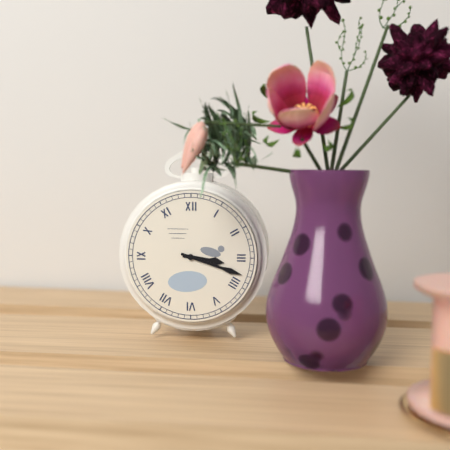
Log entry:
h=3 m=18
